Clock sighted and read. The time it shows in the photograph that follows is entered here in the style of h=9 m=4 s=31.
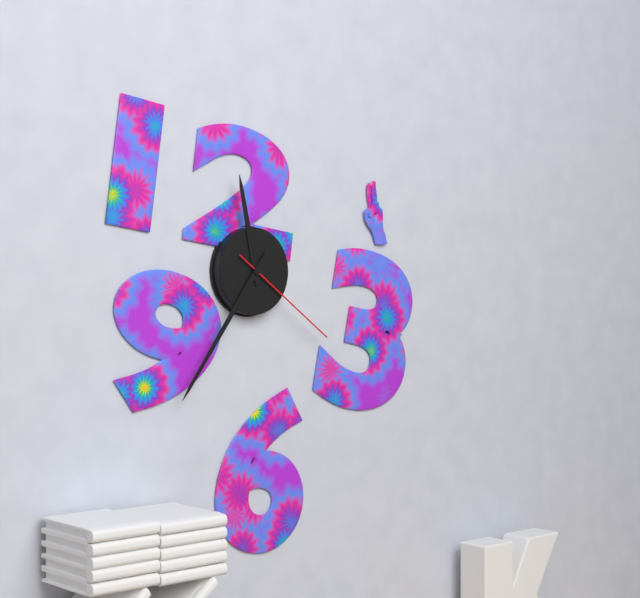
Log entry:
h=11 m=36 s=21
